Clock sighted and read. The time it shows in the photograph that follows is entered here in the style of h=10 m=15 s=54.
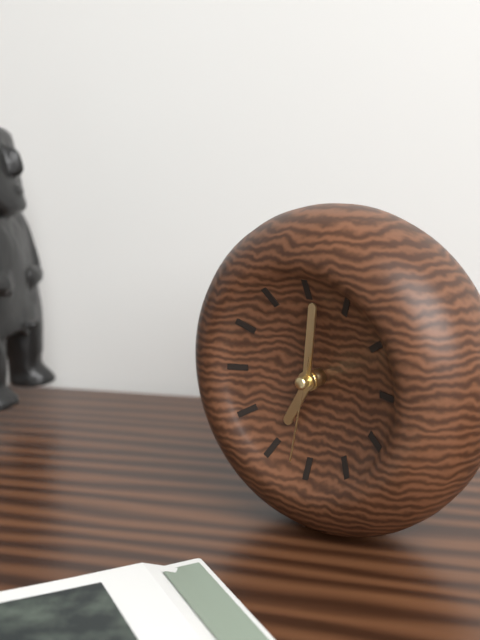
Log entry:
h=7 m=1 s=32
